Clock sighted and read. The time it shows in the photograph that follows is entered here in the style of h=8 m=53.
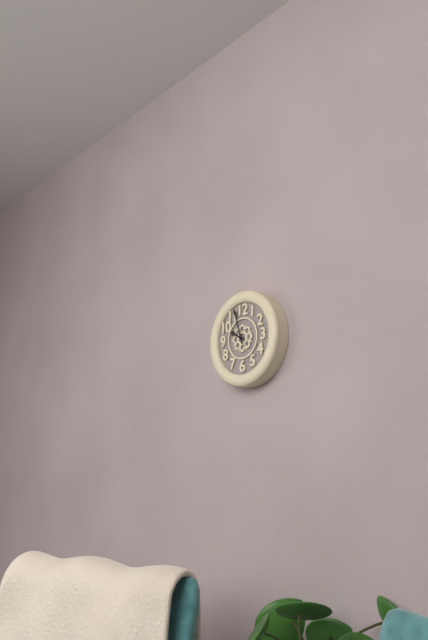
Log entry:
h=9 m=57
